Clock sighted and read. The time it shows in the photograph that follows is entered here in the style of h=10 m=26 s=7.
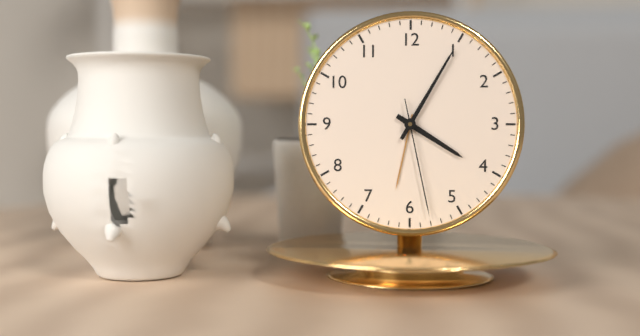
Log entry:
h=4 m=5 s=28
